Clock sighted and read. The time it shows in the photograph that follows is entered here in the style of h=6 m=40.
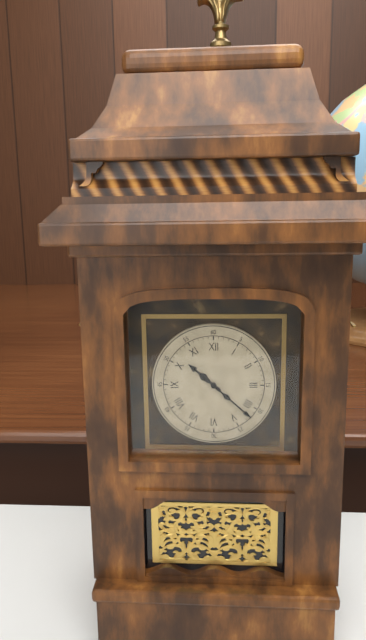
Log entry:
h=10 m=22
